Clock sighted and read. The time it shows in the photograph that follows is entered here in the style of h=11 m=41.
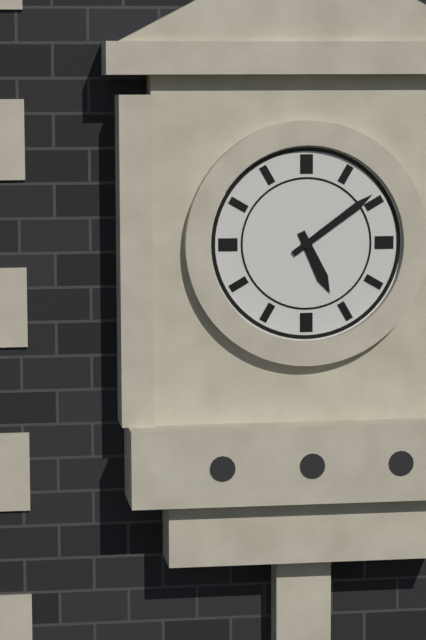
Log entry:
h=5 m=9
